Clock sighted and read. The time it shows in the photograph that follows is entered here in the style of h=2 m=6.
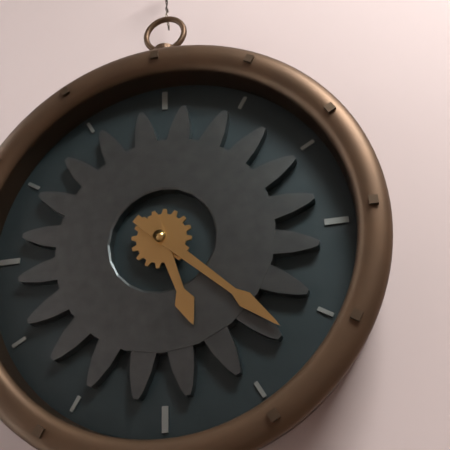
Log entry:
h=5 m=22
